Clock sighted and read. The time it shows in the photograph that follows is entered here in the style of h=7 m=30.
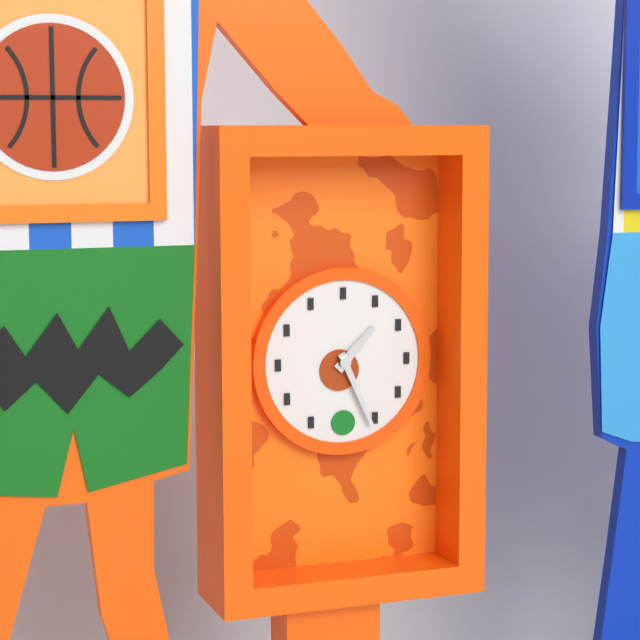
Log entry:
h=1 m=26
